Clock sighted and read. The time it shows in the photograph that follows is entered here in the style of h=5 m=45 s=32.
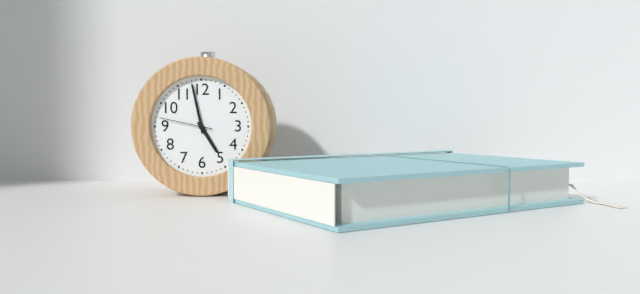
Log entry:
h=4 m=58 s=47
